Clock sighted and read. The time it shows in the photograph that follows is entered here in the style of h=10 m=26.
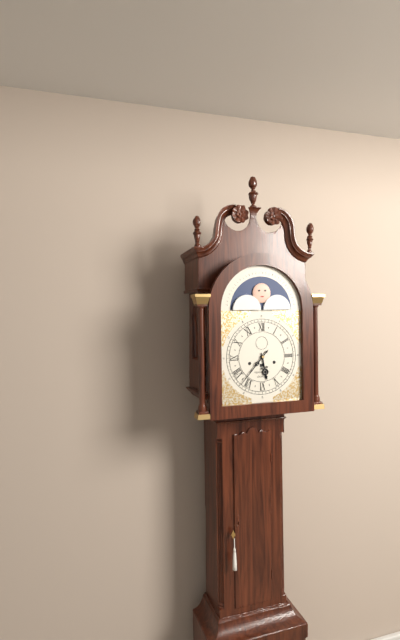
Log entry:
h=5 m=37
